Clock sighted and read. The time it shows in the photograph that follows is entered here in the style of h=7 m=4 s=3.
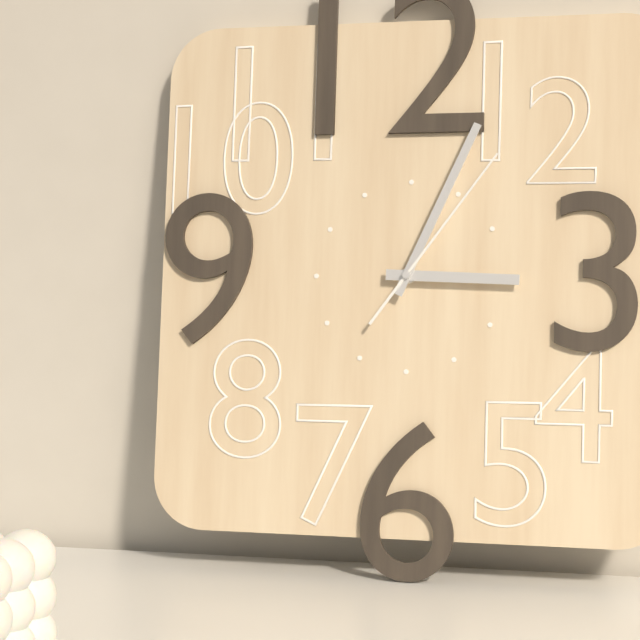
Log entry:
h=3 m=4 s=6
